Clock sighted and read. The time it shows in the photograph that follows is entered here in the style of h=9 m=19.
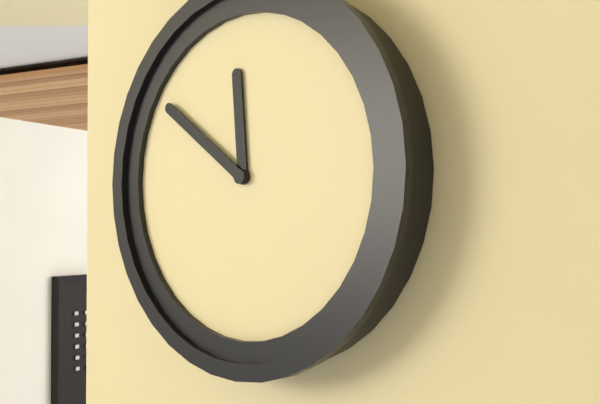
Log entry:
h=11 m=51
